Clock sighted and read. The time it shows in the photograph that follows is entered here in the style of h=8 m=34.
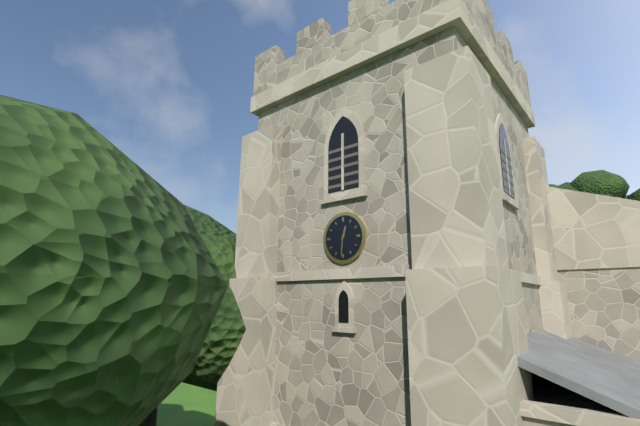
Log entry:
h=12 m=31
